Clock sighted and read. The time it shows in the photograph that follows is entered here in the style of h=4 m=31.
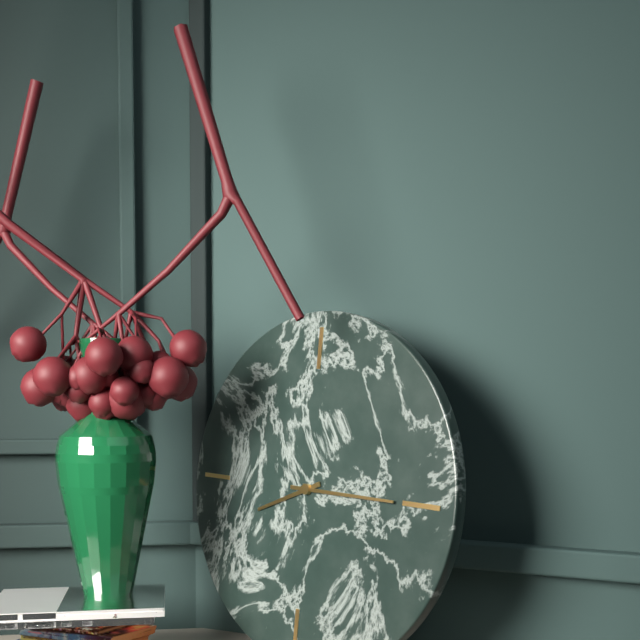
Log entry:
h=8 m=15
